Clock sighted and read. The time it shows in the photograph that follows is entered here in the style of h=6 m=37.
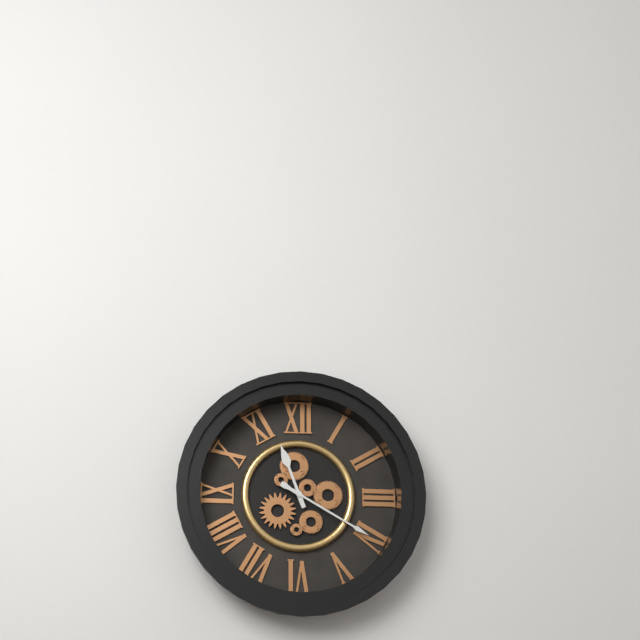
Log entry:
h=11 m=20
